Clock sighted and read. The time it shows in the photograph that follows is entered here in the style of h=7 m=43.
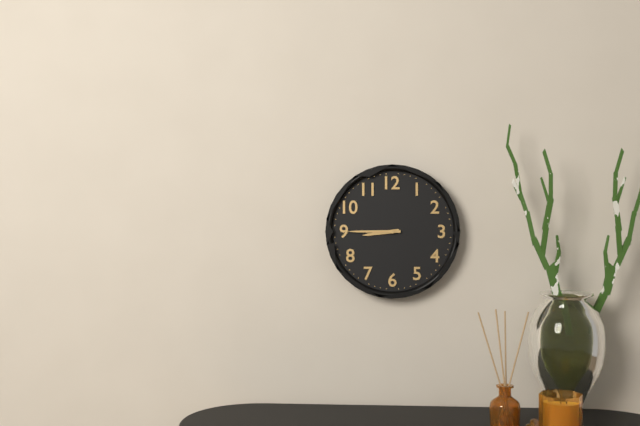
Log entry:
h=8 m=45
